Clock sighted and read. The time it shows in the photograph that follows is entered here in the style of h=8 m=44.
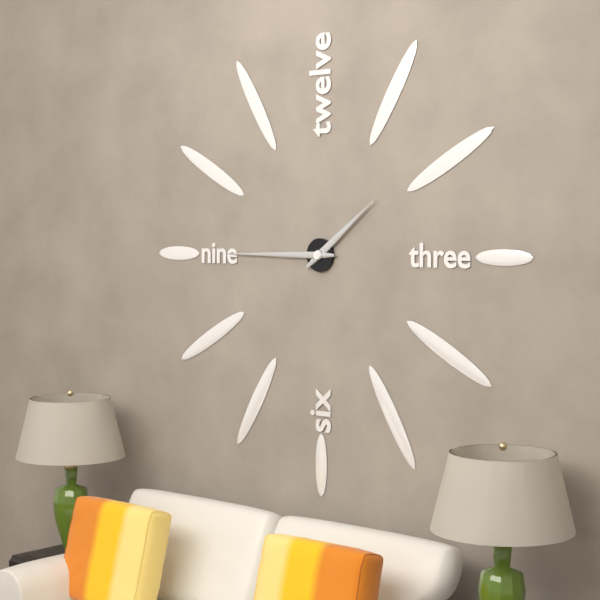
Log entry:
h=1 m=45
